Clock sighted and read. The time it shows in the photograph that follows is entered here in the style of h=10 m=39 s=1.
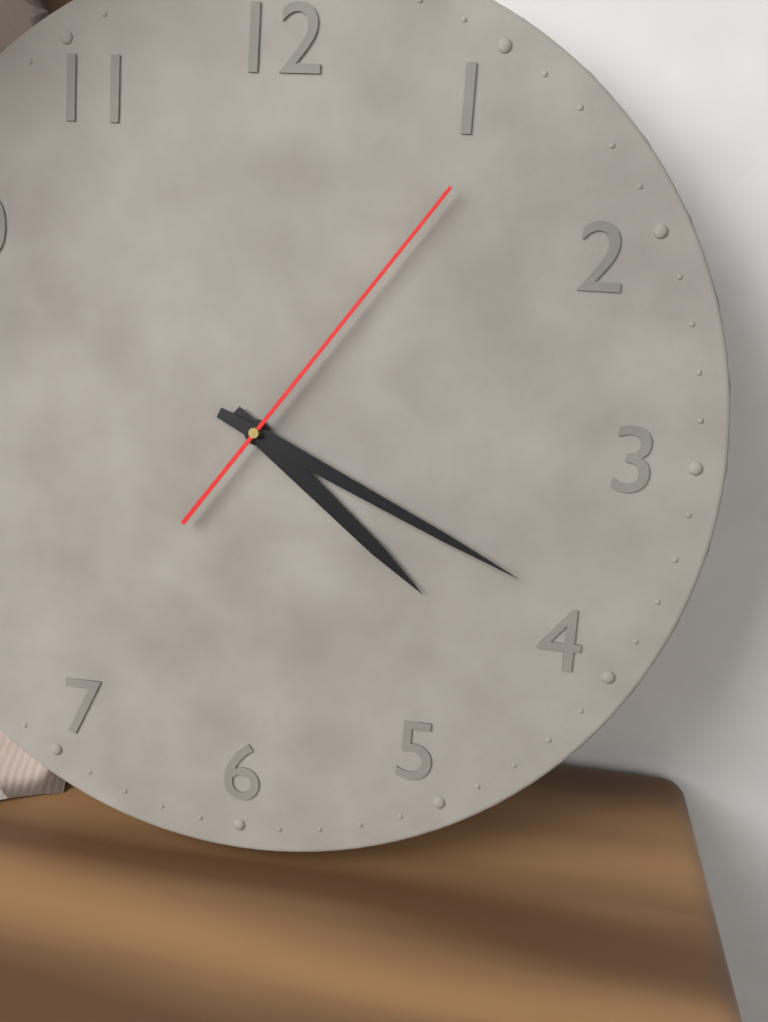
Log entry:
h=4 m=19 s=6
